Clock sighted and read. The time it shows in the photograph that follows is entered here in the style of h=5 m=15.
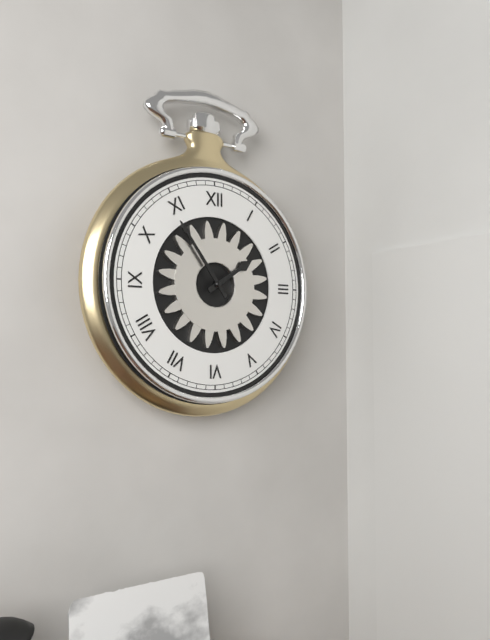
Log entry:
h=1 m=54
